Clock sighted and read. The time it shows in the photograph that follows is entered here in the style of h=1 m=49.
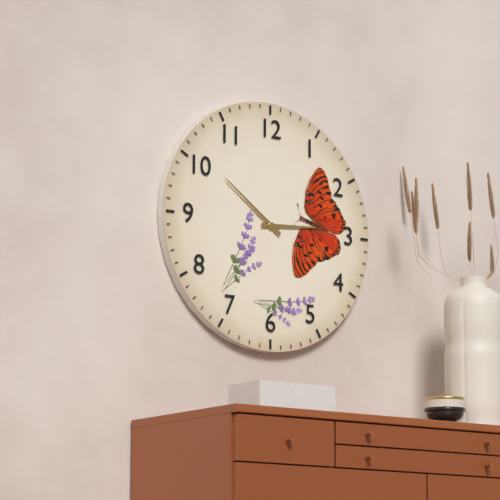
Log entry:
h=2 m=51
